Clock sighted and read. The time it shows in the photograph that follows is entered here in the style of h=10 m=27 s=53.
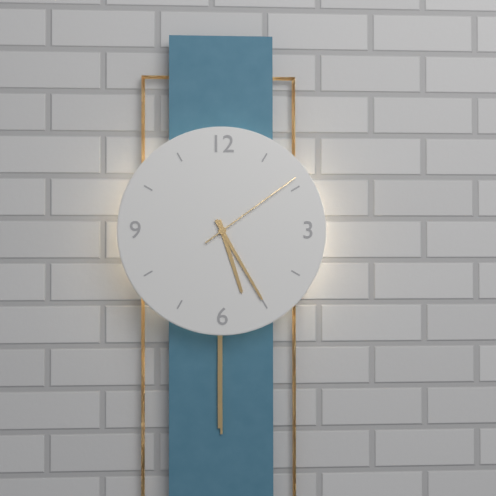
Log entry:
h=5 m=25 s=9
